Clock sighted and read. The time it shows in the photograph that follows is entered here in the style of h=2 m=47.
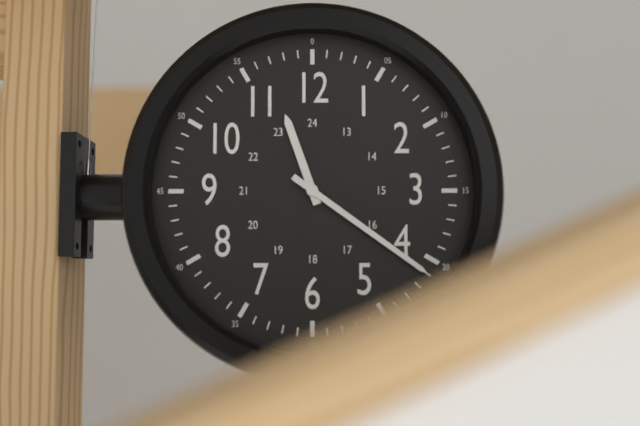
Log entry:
h=11 m=21
